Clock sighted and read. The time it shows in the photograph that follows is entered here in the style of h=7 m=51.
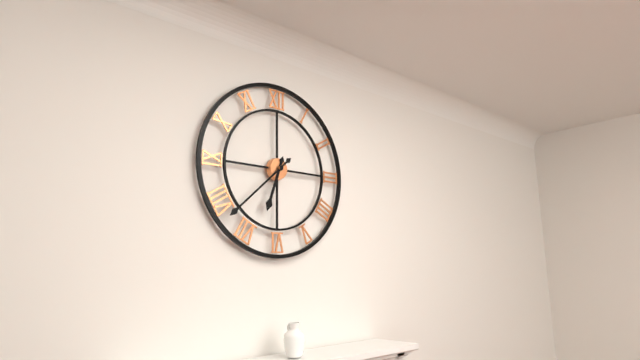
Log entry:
h=6 m=38
